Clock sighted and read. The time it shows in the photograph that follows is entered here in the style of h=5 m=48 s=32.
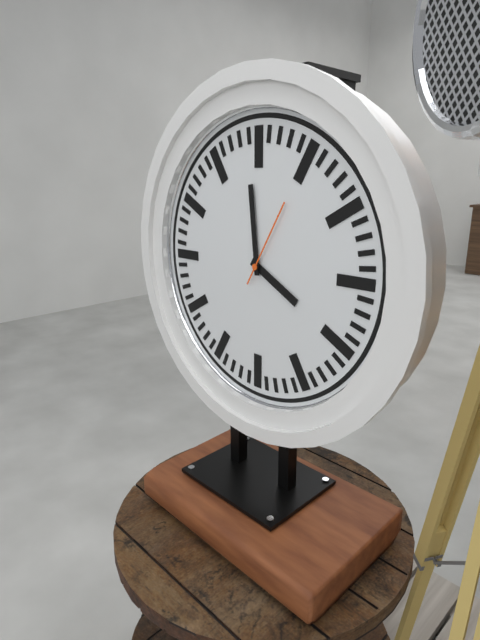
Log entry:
h=3 m=59 s=5
